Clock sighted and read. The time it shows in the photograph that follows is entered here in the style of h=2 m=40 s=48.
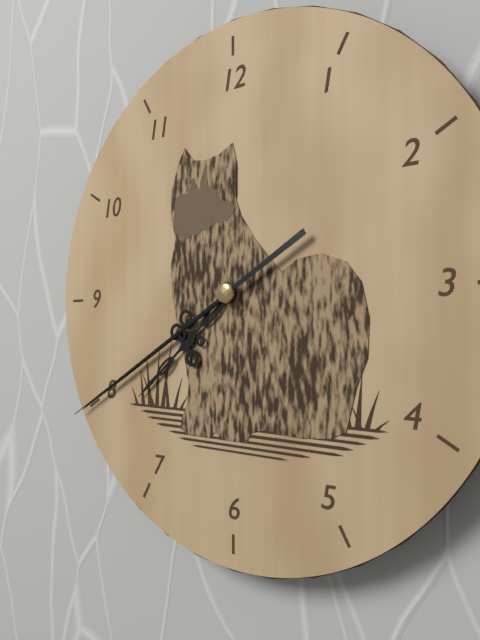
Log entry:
h=7 m=40 s=40
